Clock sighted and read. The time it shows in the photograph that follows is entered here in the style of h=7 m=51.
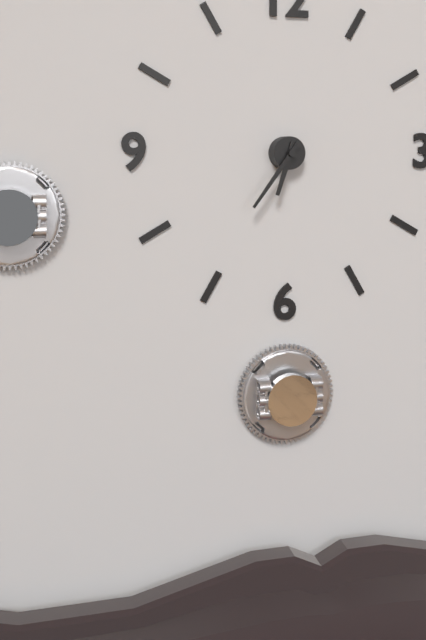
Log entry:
h=6 m=36
